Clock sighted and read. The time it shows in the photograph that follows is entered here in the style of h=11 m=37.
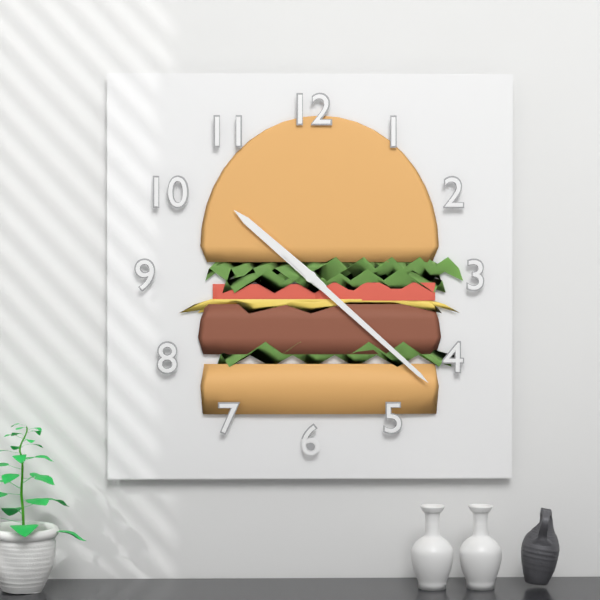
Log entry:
h=10 m=22
